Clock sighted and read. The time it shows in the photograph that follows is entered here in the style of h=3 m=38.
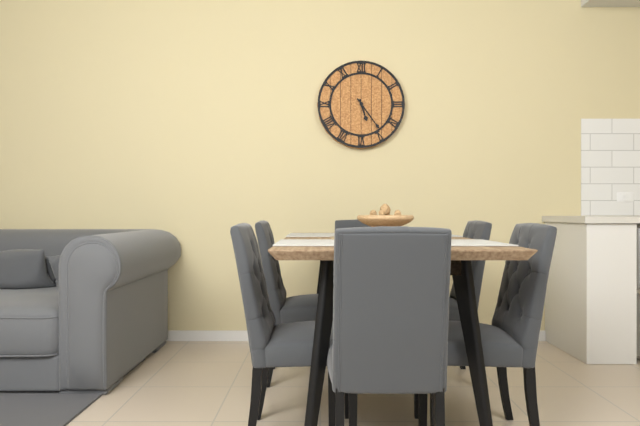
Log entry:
h=5 m=24
